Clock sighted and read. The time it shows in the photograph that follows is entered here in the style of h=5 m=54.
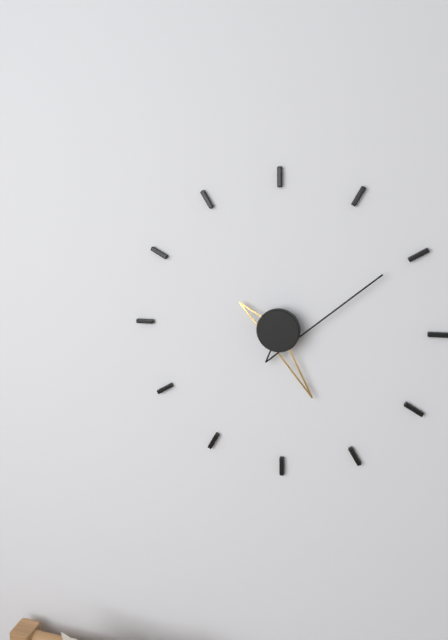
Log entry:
h=5 m=10
